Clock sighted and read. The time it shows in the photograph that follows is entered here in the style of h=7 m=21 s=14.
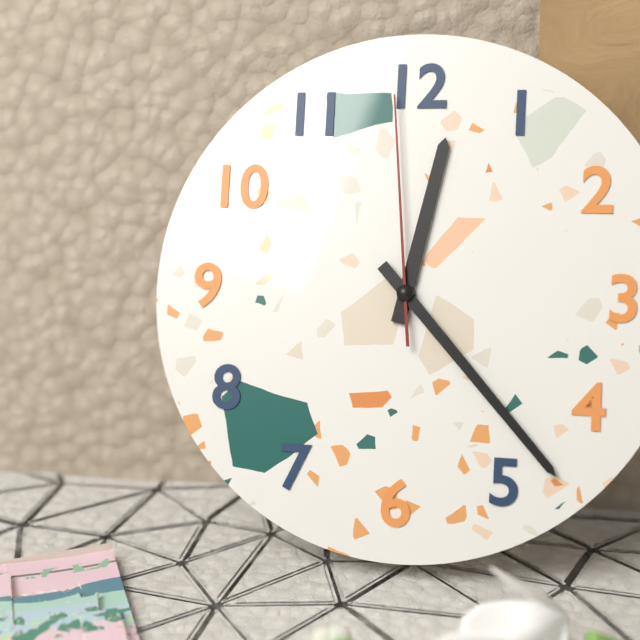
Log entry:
h=12 m=23 s=59
